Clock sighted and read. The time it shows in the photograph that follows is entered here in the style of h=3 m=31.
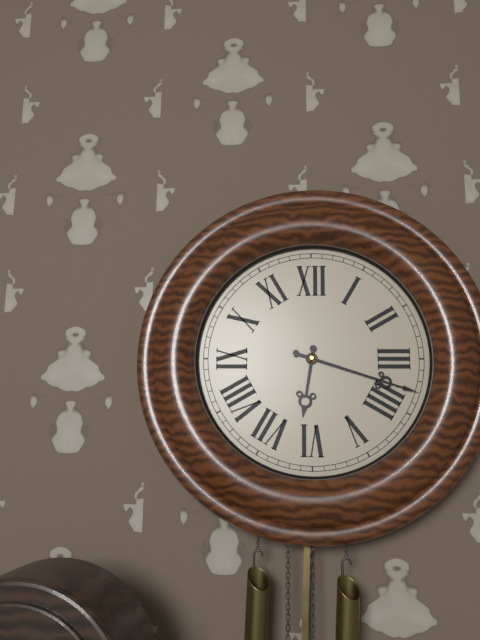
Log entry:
h=6 m=18
